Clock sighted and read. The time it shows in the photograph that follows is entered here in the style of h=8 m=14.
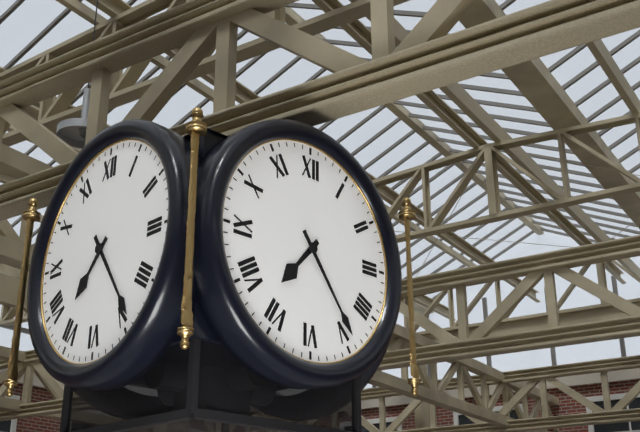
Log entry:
h=7 m=24
